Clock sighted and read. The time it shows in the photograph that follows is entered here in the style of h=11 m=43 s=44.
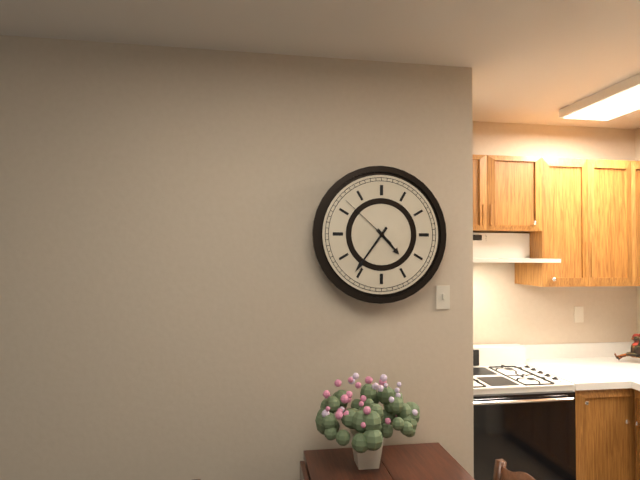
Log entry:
h=4 m=36 s=52
